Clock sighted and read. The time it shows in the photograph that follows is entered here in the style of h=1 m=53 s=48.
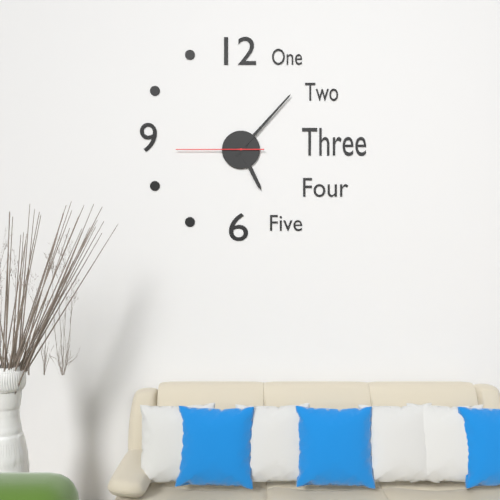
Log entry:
h=5 m=7 s=45
